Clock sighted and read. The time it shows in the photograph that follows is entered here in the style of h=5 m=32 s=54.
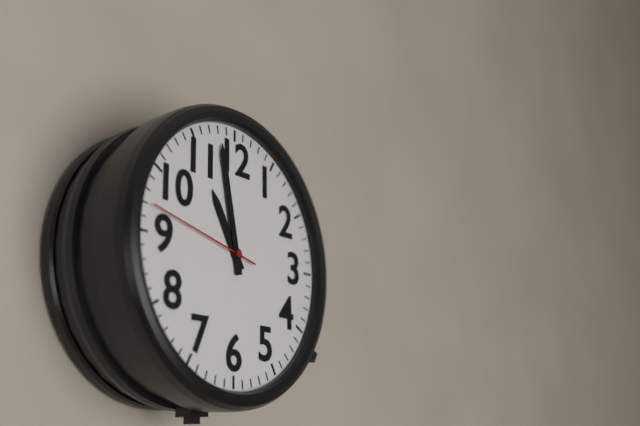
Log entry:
h=10 m=58 s=47
